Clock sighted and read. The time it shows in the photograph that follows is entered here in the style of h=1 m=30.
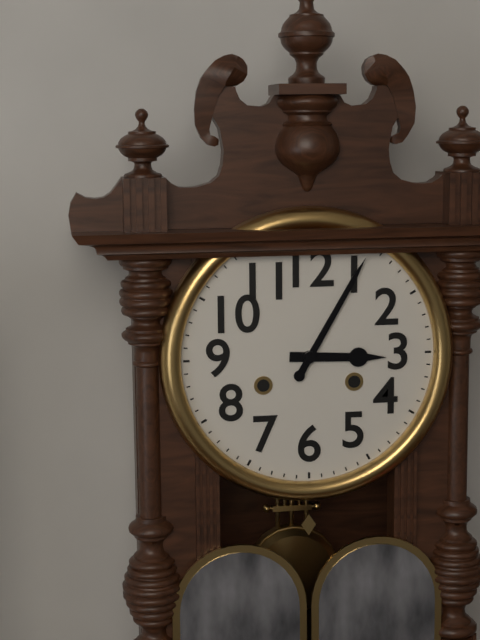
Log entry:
h=3 m=5
